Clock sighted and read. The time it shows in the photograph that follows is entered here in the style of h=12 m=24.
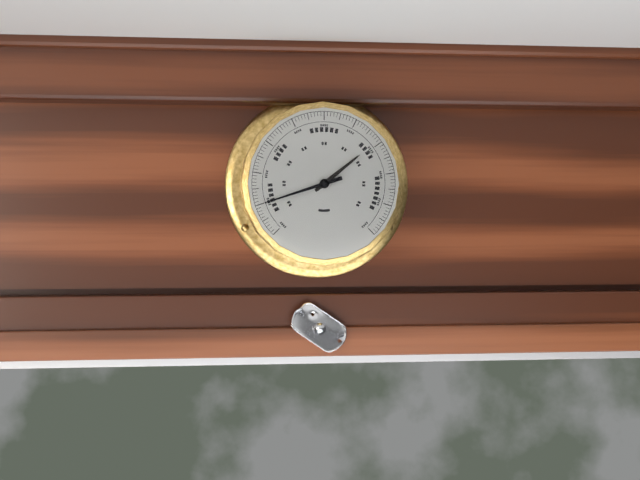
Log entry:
h=1 m=42
